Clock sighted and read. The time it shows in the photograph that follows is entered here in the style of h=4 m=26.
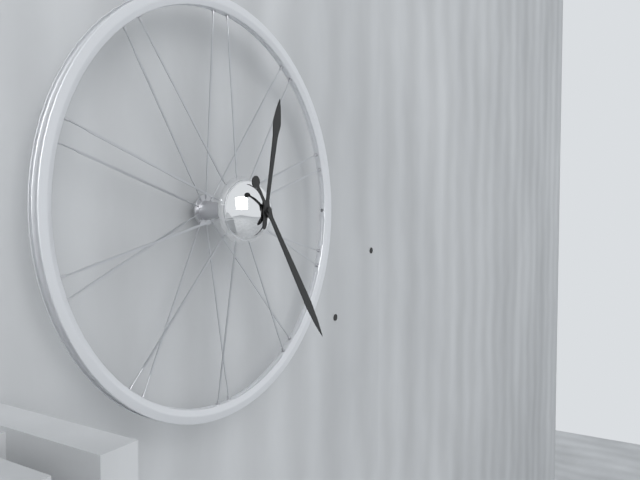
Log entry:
h=12 m=24
